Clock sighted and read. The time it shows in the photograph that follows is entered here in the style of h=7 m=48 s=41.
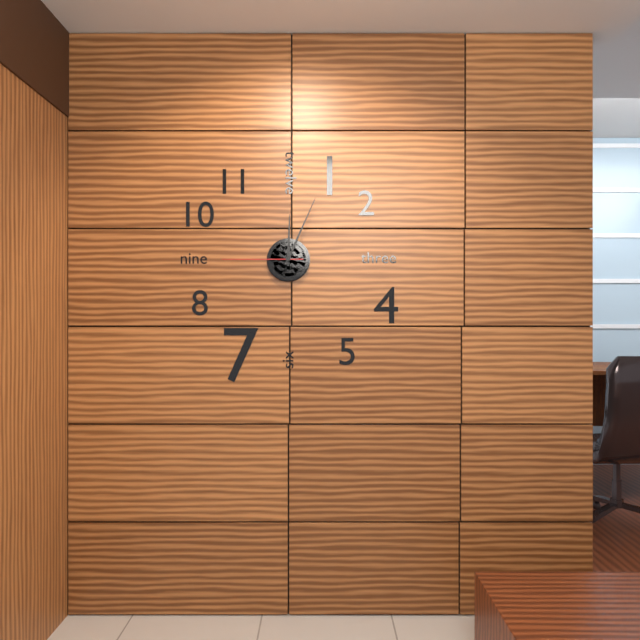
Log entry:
h=12 m=4 s=45
